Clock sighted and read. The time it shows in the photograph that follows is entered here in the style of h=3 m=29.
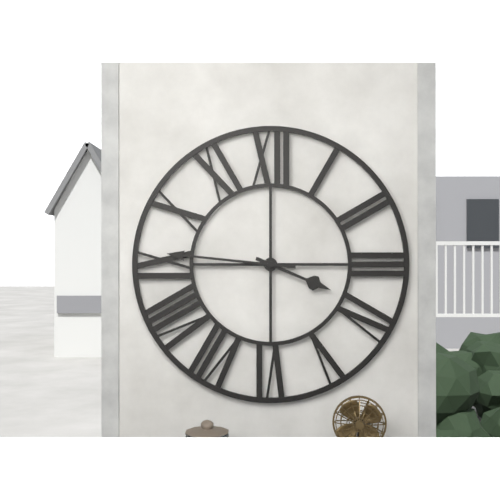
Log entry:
h=3 m=46
